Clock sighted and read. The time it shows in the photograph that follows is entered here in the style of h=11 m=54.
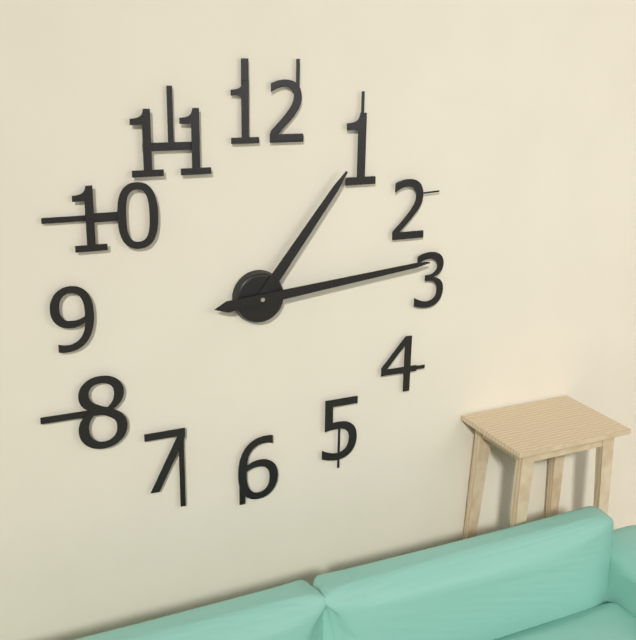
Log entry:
h=1 m=14
